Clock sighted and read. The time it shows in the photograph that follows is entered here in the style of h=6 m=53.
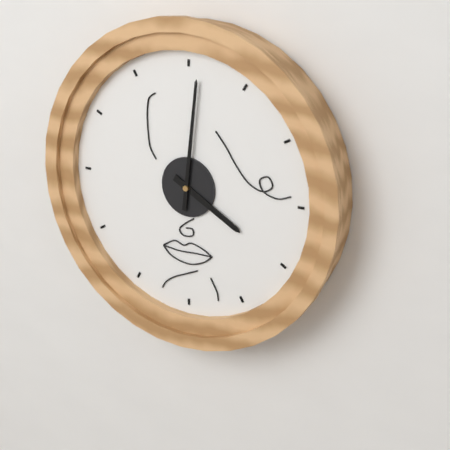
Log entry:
h=4 m=1
